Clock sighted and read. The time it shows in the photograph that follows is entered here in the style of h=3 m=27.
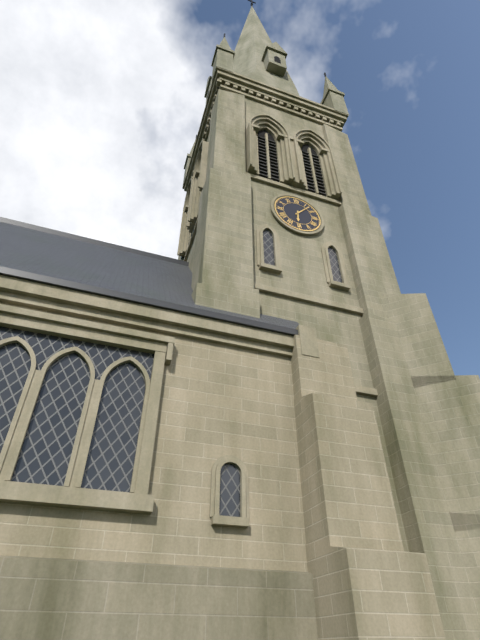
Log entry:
h=6 m=7
